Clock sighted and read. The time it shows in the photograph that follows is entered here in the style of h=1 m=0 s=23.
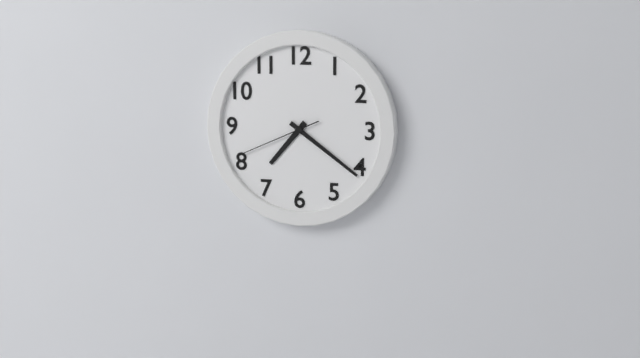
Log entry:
h=7 m=21 s=41
